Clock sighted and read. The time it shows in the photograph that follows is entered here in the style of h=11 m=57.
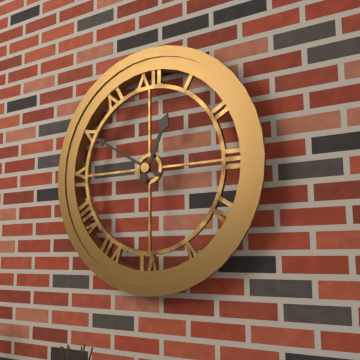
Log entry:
h=12 m=50
